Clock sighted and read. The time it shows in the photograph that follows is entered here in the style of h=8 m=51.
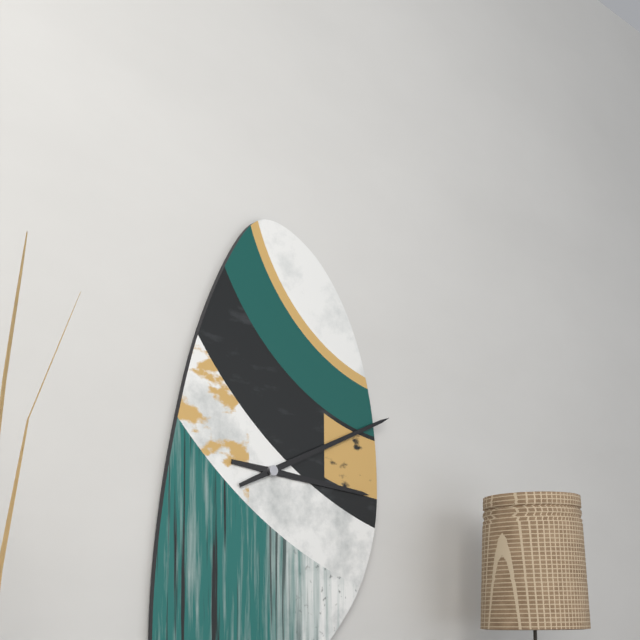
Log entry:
h=3 m=11
